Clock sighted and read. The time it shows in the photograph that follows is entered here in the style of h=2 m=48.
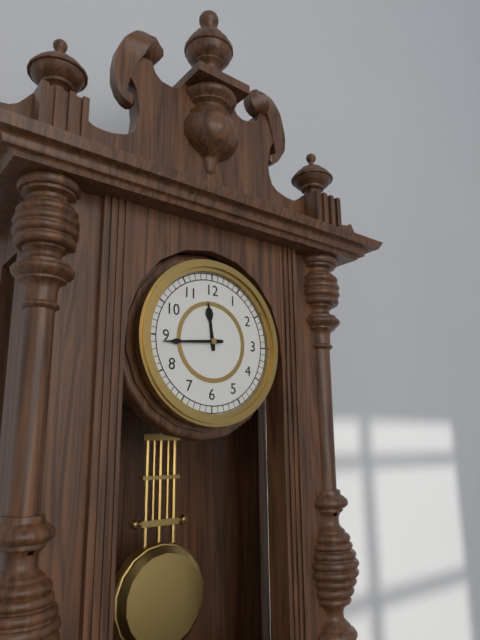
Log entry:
h=11 m=44
